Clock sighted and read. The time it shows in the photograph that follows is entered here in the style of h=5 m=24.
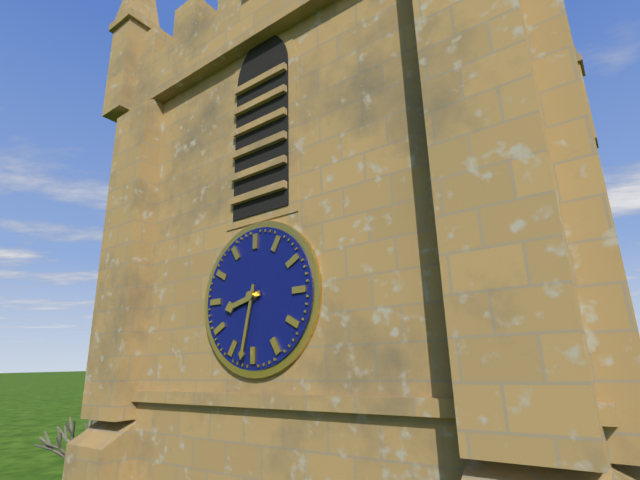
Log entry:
h=8 m=32
